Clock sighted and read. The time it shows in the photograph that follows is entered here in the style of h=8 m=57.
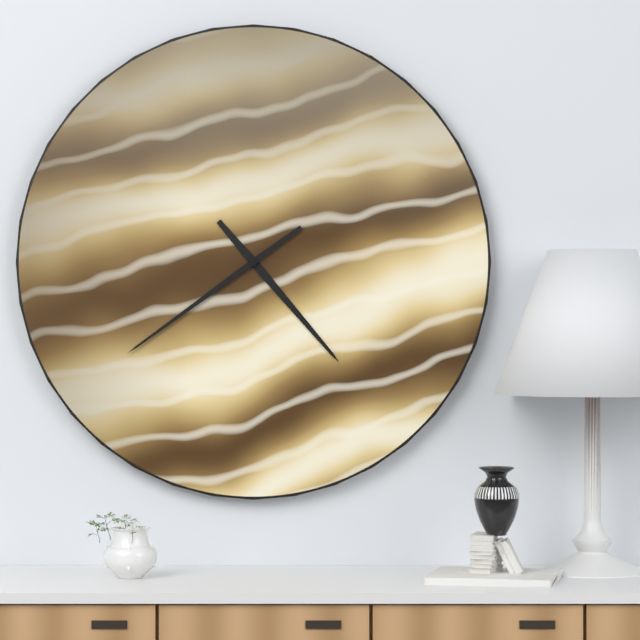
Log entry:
h=4 m=39
